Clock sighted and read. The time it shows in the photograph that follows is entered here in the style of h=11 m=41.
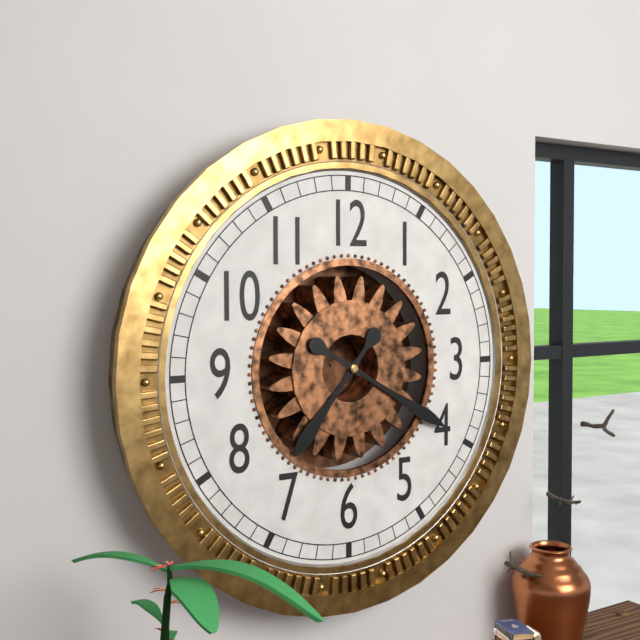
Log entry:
h=7 m=20
